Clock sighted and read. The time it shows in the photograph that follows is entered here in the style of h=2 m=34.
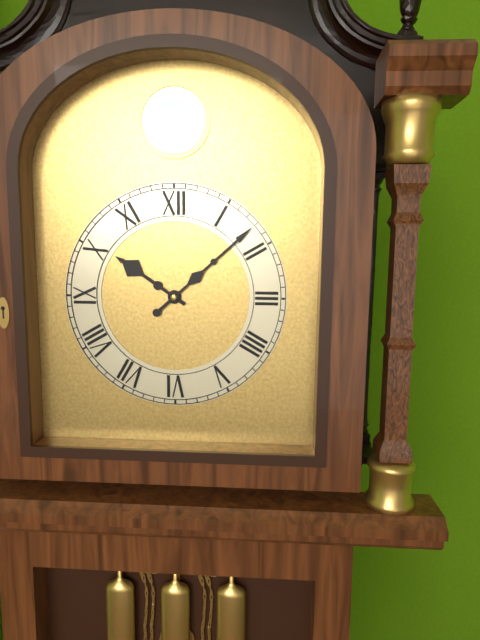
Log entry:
h=10 m=8
